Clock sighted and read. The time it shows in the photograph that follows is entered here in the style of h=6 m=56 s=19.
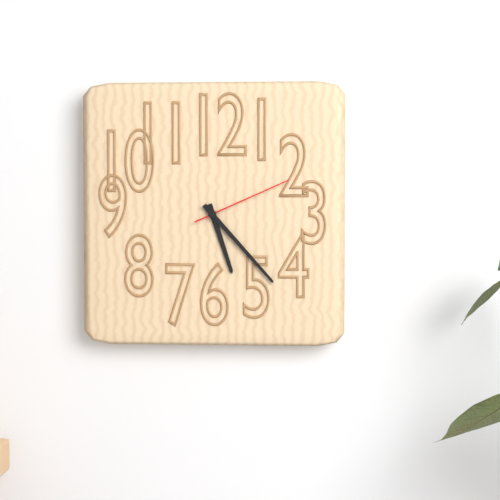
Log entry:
h=5 m=23 s=11
